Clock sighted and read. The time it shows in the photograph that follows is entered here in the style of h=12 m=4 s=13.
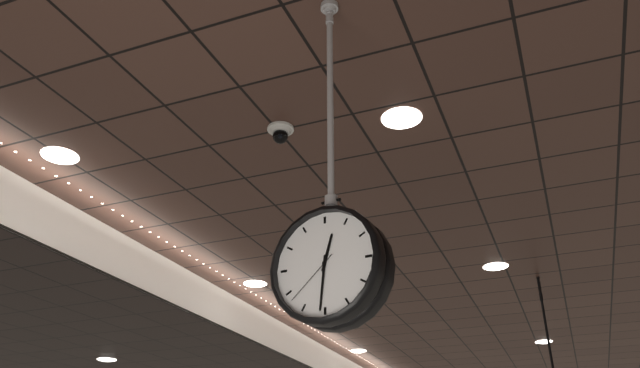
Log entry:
h=12 m=31 s=38
